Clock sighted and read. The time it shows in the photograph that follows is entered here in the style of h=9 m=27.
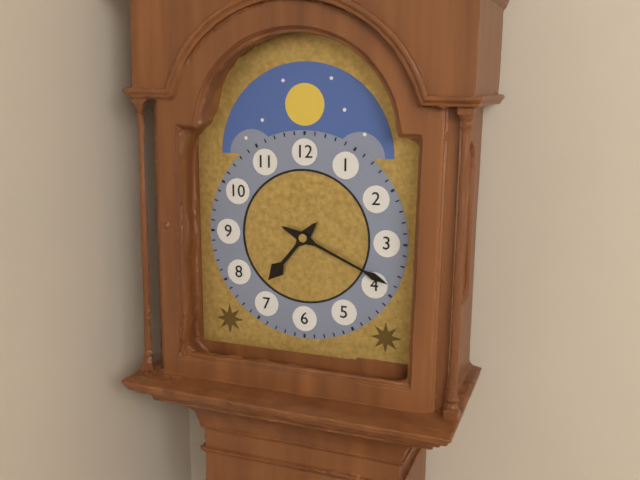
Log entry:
h=7 m=19
